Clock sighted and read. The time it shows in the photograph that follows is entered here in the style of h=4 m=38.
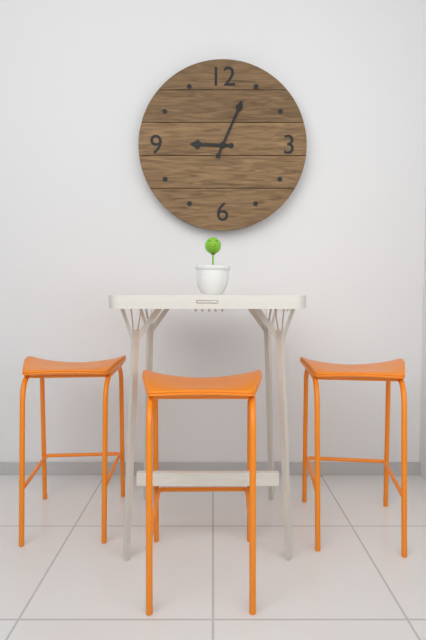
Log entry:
h=9 m=4
